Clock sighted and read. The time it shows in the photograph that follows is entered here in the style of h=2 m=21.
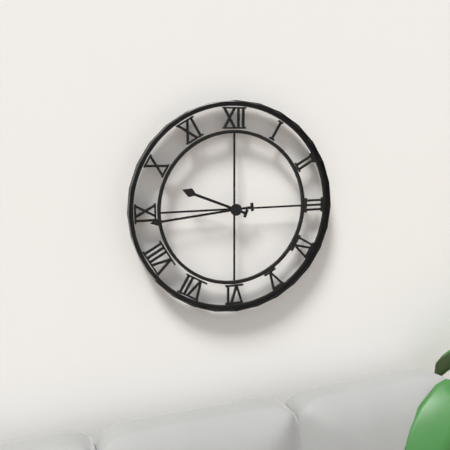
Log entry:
h=9 m=44
